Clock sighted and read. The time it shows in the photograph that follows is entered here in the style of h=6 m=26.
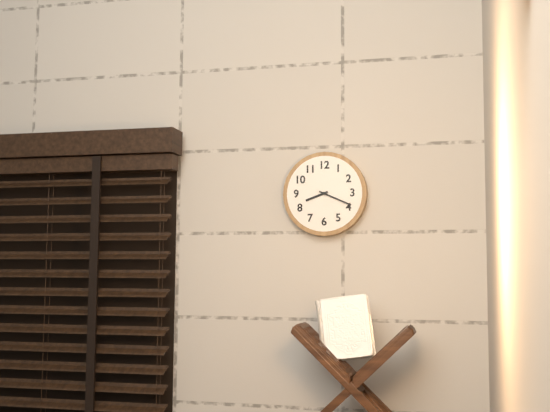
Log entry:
h=8 m=19
